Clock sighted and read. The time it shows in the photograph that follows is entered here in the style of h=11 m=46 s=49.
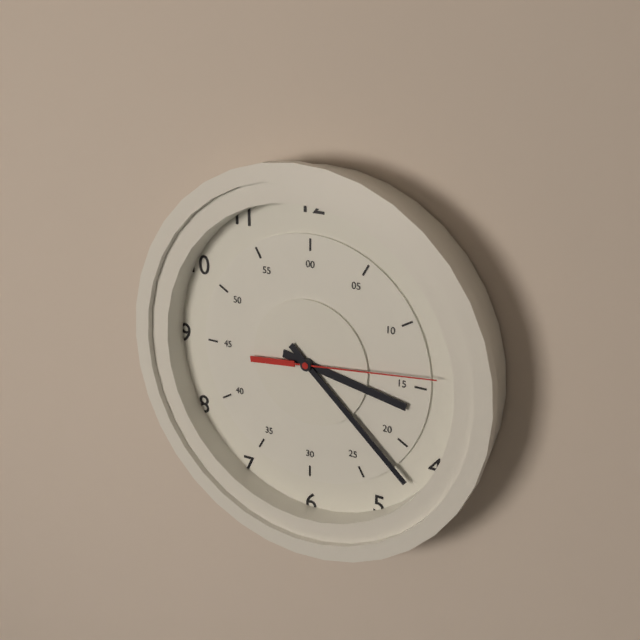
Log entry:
h=3 m=22 s=14
